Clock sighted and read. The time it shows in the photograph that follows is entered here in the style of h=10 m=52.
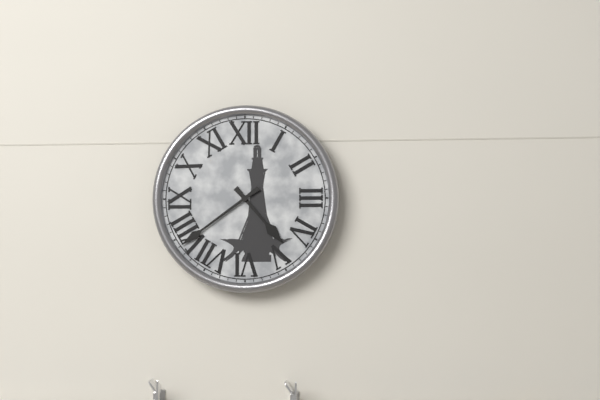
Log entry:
h=4 m=39
